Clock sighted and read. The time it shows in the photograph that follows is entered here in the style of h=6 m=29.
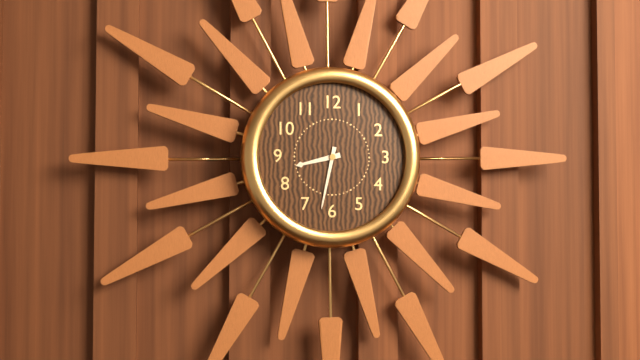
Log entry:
h=8 m=32
